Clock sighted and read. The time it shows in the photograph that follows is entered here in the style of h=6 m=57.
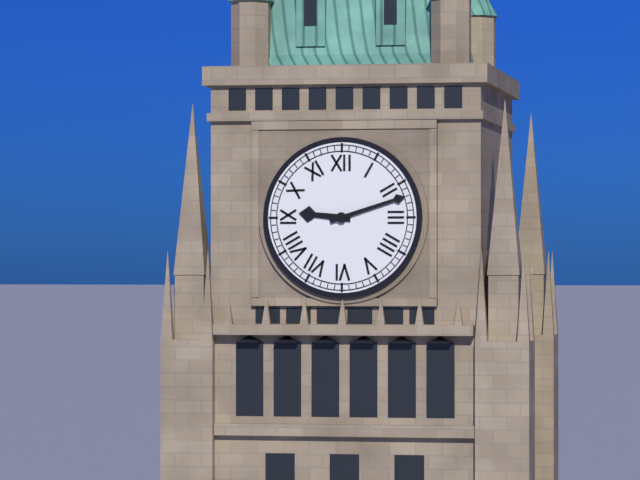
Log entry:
h=9 m=12
